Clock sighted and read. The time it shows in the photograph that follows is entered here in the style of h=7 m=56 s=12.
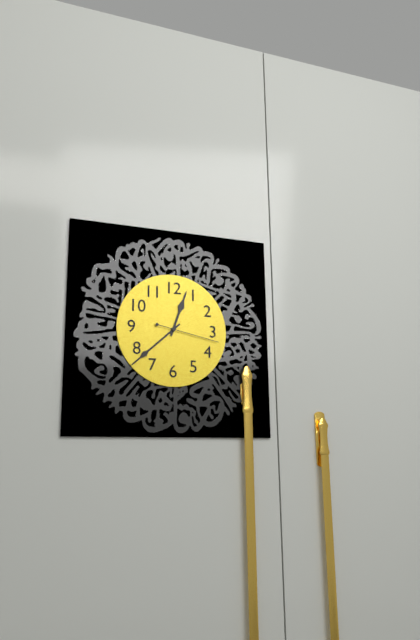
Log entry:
h=12 m=38 s=17
